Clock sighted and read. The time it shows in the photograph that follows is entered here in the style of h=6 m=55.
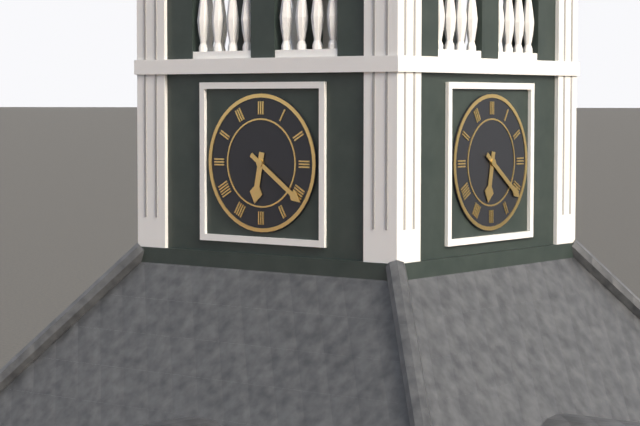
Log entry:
h=6 m=21
